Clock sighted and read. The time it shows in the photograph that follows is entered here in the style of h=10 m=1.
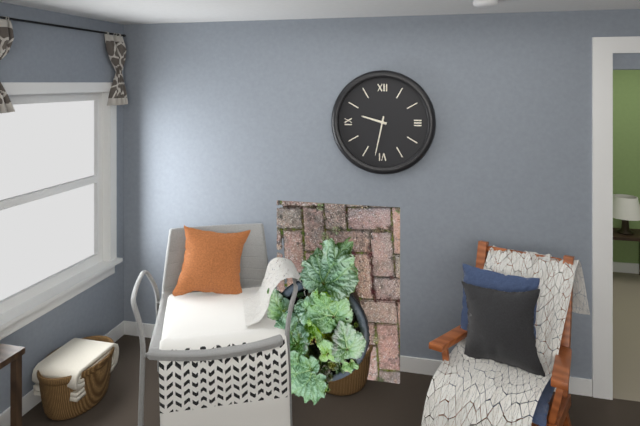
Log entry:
h=9 m=32
